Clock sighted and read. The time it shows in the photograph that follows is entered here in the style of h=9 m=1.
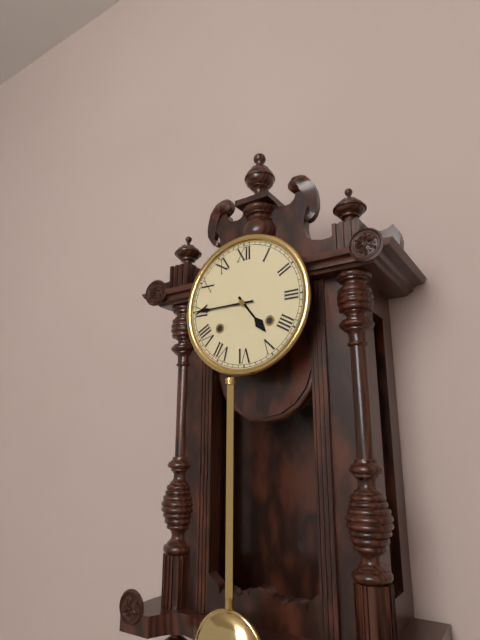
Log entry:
h=4 m=45
